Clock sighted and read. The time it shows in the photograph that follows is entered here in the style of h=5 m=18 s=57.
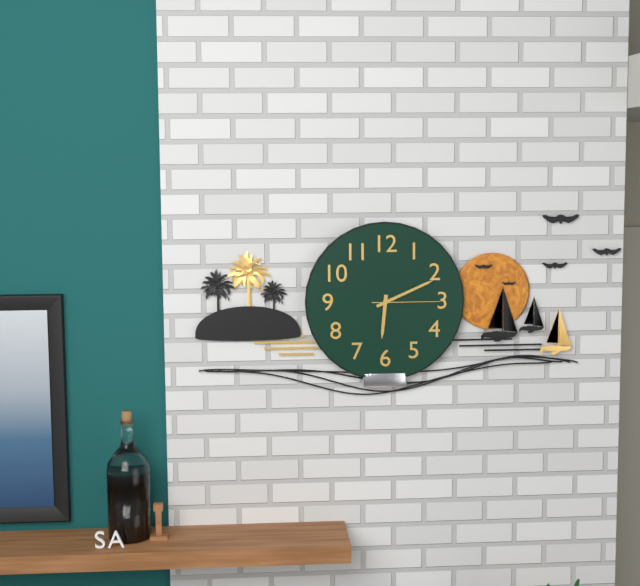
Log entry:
h=6 m=11 s=15
